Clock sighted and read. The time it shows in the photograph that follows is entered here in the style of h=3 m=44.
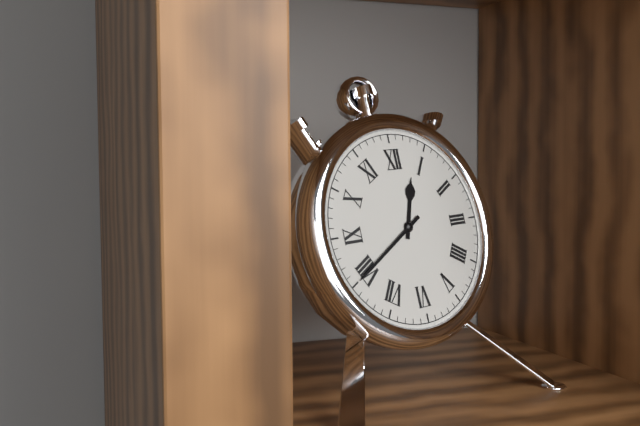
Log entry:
h=12 m=40
